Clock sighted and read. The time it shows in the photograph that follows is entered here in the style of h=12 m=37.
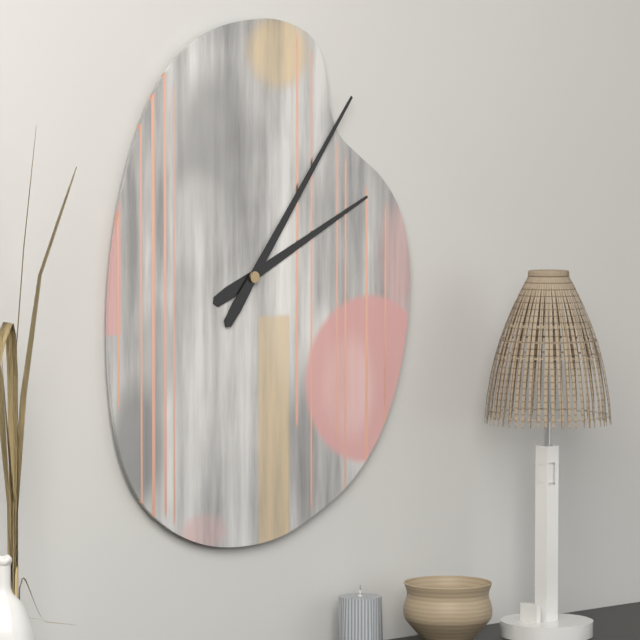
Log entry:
h=2 m=6
